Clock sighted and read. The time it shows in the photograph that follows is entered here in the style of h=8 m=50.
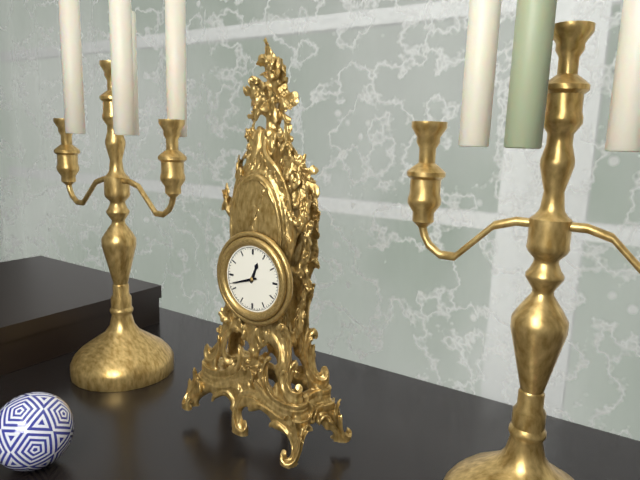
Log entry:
h=12 m=42
